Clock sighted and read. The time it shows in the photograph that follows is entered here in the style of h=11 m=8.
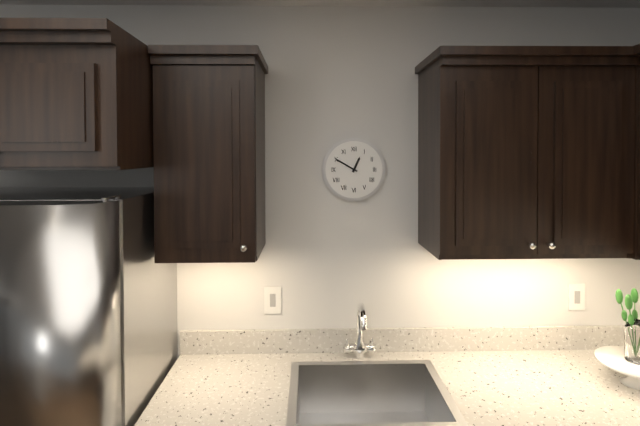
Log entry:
h=12 m=50
